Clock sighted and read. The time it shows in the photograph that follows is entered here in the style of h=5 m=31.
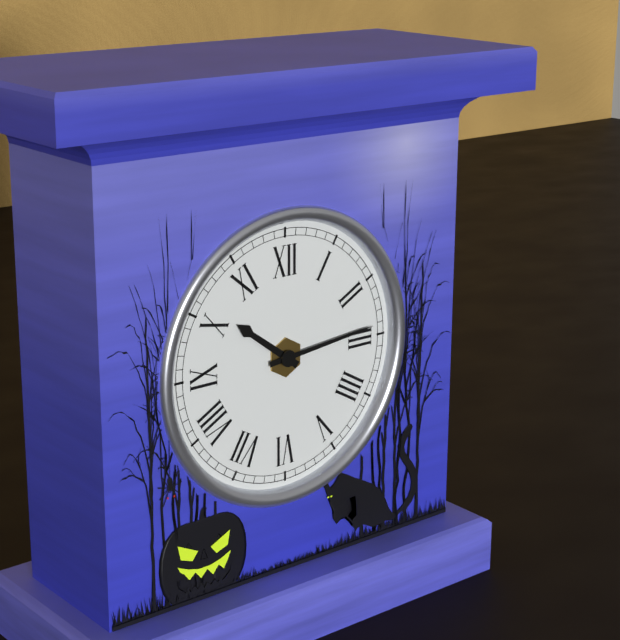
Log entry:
h=10 m=14
